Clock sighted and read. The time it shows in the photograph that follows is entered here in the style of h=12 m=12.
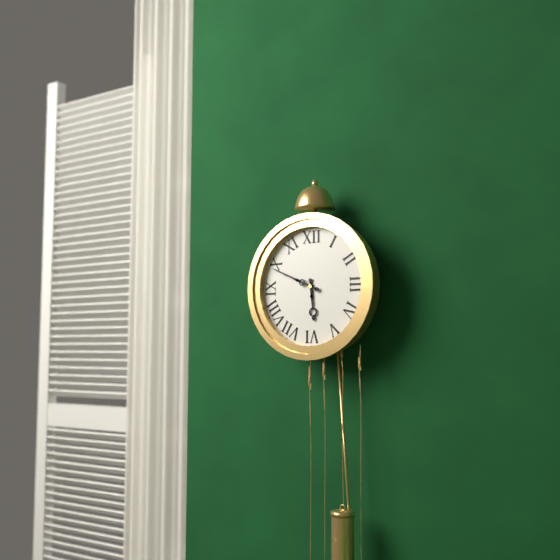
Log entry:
h=5 m=49
